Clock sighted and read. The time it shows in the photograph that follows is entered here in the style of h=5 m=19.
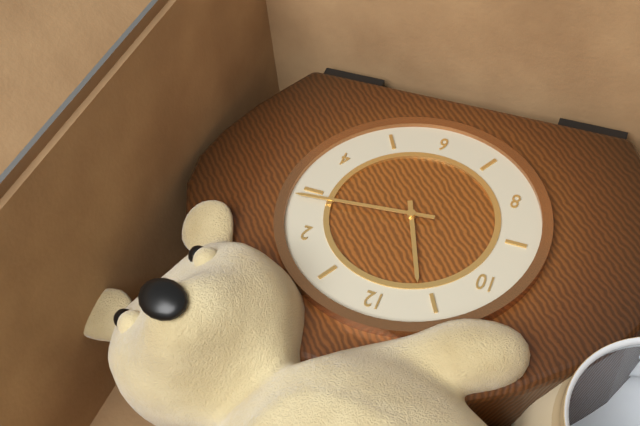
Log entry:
h=11 m=14
